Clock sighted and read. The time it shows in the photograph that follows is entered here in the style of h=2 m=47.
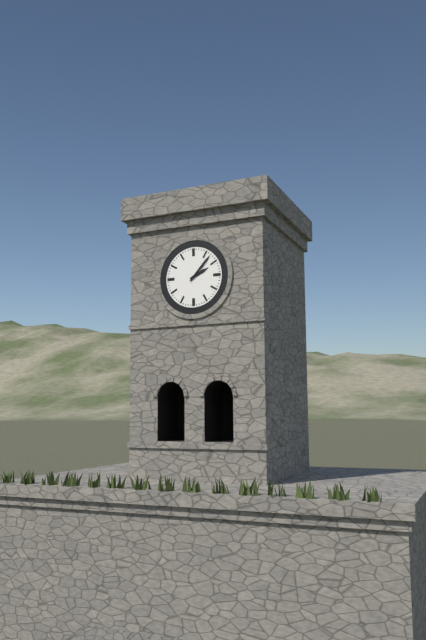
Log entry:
h=2 m=7
